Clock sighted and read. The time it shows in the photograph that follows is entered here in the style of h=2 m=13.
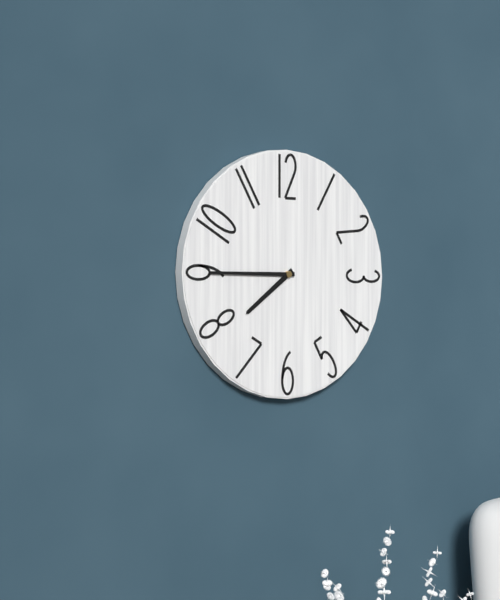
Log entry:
h=7 m=45
